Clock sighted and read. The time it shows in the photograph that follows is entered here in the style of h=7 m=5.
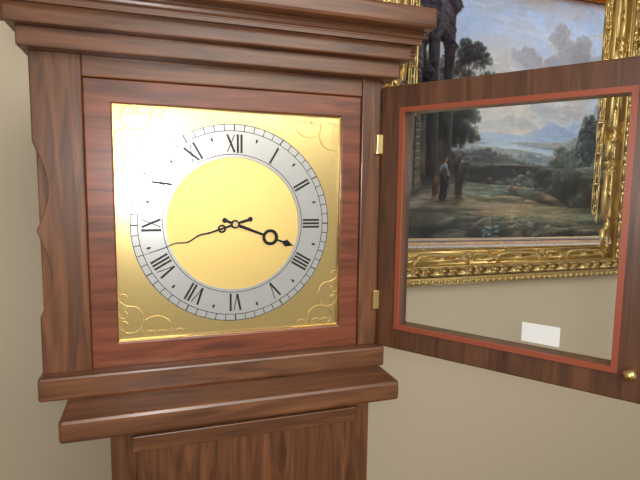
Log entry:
h=3 m=42
